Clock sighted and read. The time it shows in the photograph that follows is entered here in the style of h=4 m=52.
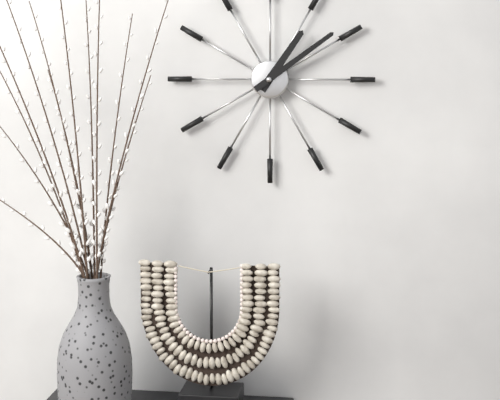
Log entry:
h=1 m=9
